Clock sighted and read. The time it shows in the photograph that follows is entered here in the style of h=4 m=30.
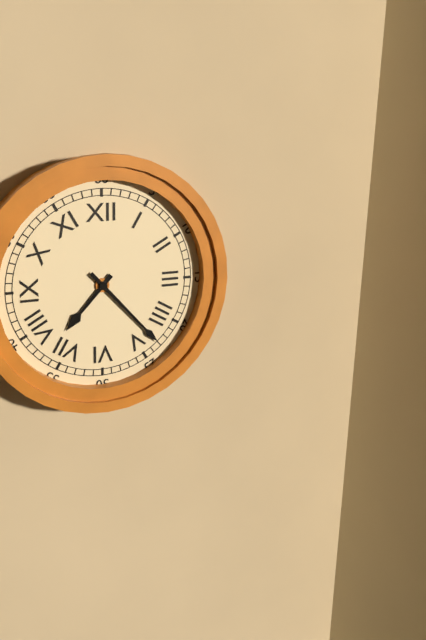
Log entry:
h=7 m=23
